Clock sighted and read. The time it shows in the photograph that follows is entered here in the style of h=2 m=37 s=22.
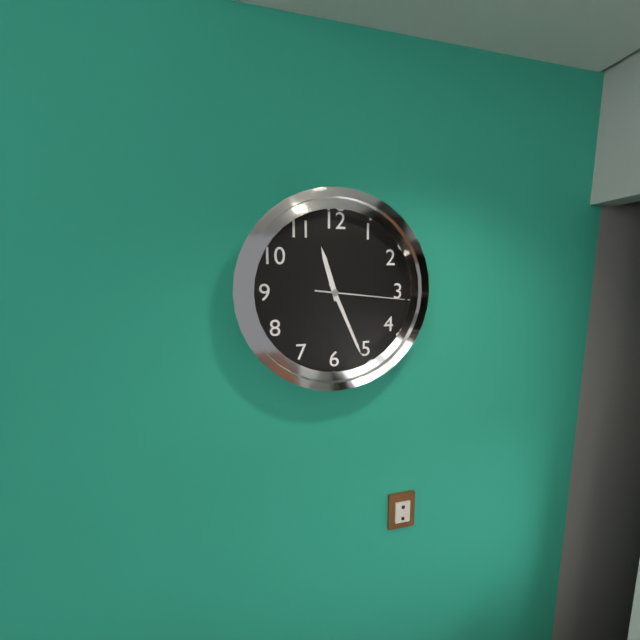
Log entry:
h=11 m=26 s=16
